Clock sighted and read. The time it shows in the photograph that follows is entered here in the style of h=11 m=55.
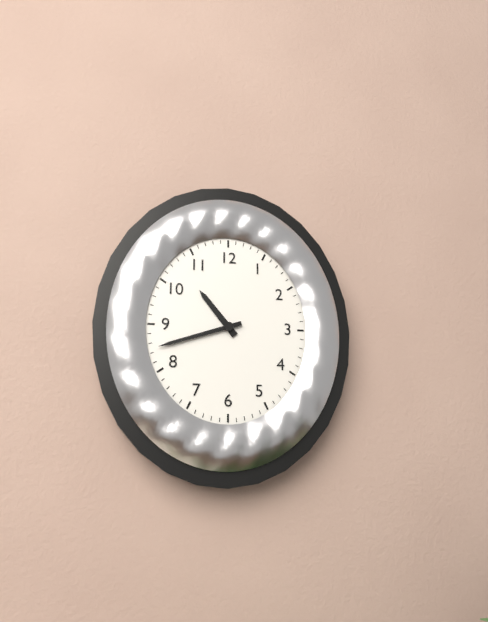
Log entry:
h=10 m=42
